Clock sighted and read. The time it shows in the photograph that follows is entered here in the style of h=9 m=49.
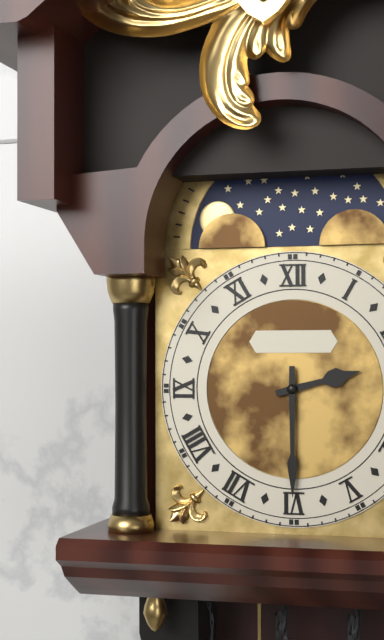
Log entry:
h=2 m=30
